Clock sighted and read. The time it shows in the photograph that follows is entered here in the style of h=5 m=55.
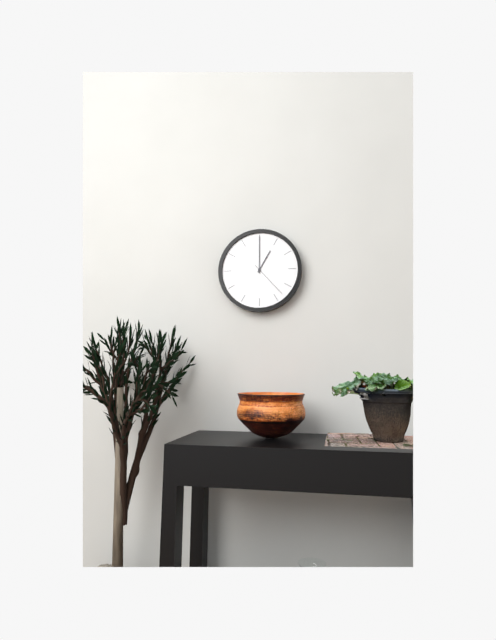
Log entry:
h=1 m=0
